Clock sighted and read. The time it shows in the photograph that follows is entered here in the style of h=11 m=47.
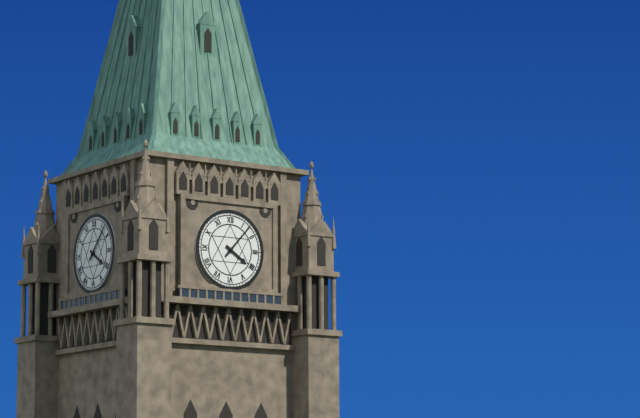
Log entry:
h=4 m=7
